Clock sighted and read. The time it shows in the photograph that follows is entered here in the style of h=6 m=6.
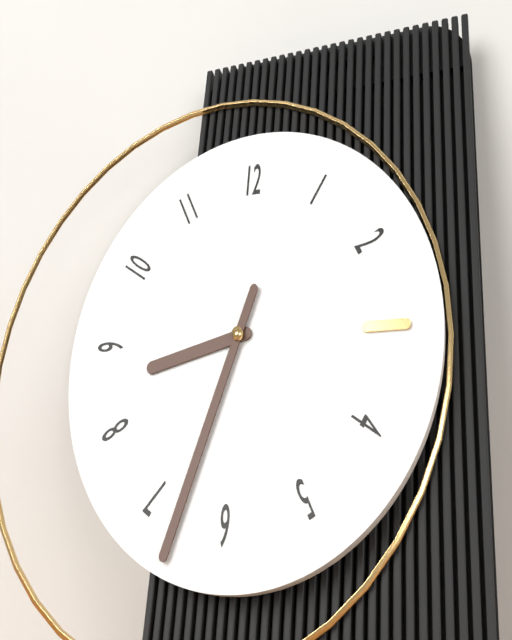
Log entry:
h=8 m=33
